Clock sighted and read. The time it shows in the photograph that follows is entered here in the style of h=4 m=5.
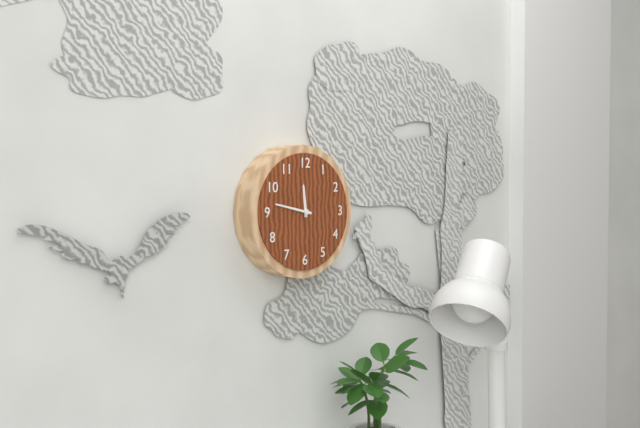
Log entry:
h=11 m=47
